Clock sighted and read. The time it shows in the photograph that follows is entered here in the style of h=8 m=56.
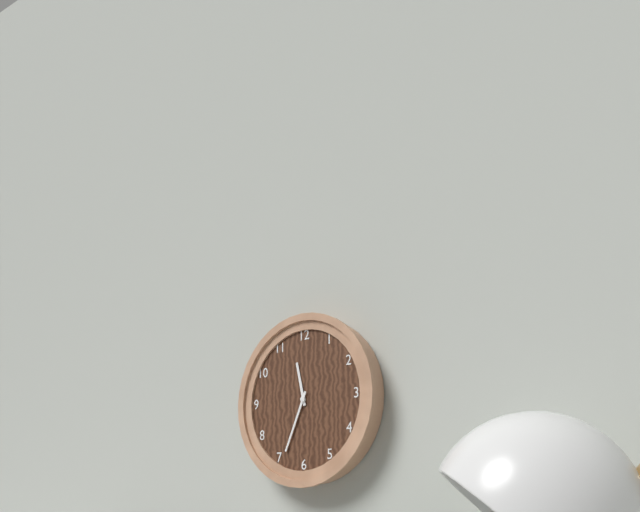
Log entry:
h=11 m=34
